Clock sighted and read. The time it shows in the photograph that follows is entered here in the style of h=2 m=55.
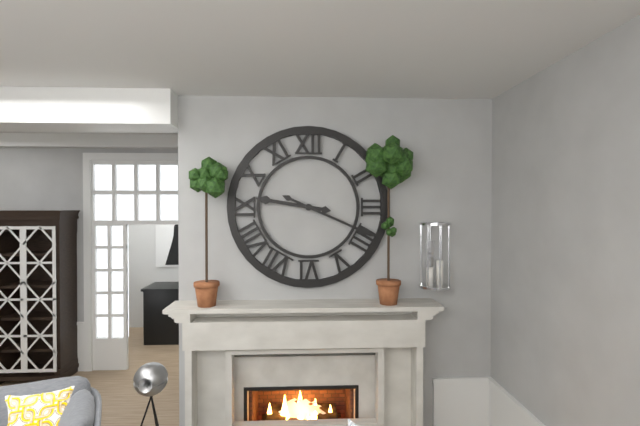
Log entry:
h=9 m=19
